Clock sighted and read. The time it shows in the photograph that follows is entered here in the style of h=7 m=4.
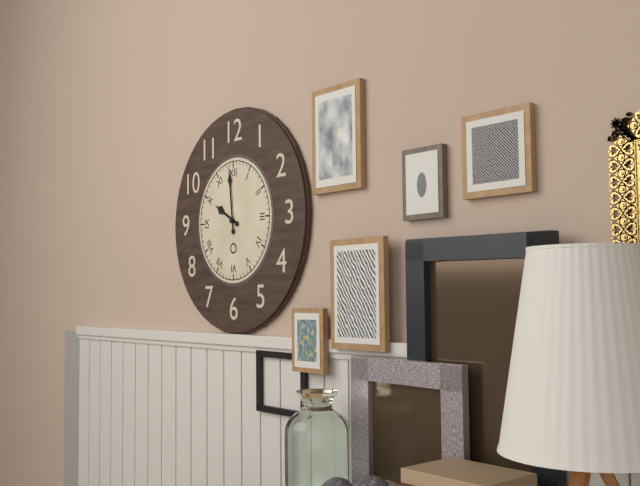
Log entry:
h=9 m=59
